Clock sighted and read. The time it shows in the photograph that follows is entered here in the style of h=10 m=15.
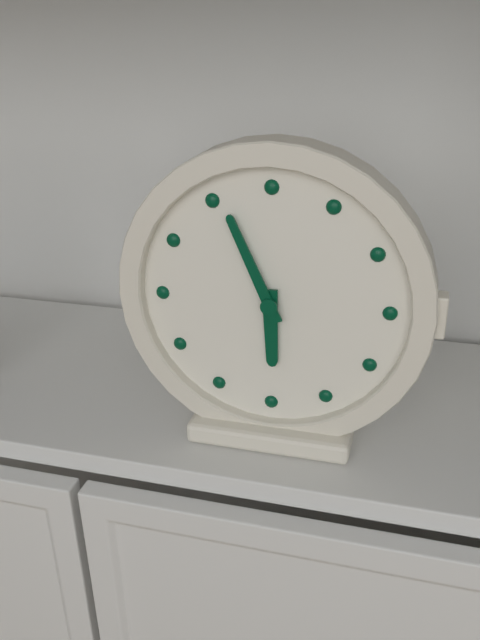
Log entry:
h=5 m=56
